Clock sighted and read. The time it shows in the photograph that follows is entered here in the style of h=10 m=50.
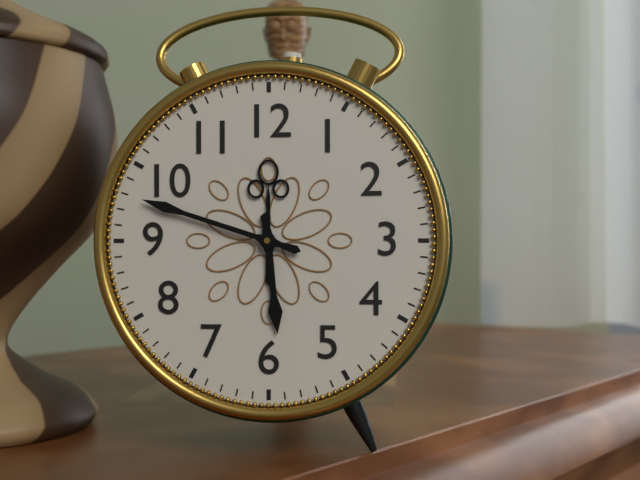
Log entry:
h=5 m=48
